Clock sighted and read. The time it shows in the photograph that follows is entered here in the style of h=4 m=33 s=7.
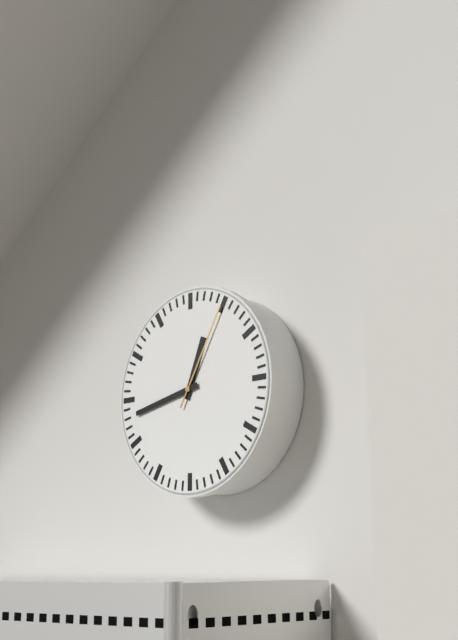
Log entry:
h=12 m=43 s=5
